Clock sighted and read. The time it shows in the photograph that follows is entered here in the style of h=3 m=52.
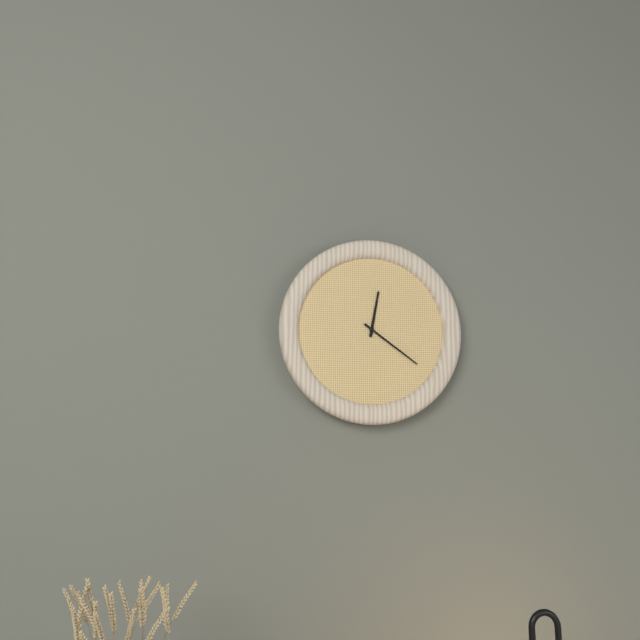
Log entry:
h=12 m=21
